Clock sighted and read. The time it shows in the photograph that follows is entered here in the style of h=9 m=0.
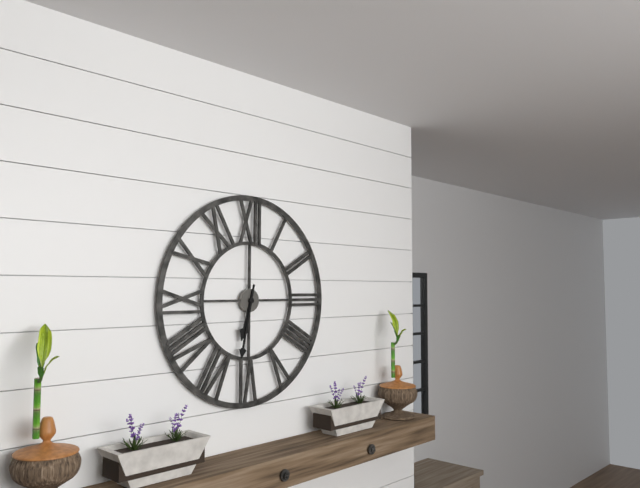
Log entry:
h=6 m=32
